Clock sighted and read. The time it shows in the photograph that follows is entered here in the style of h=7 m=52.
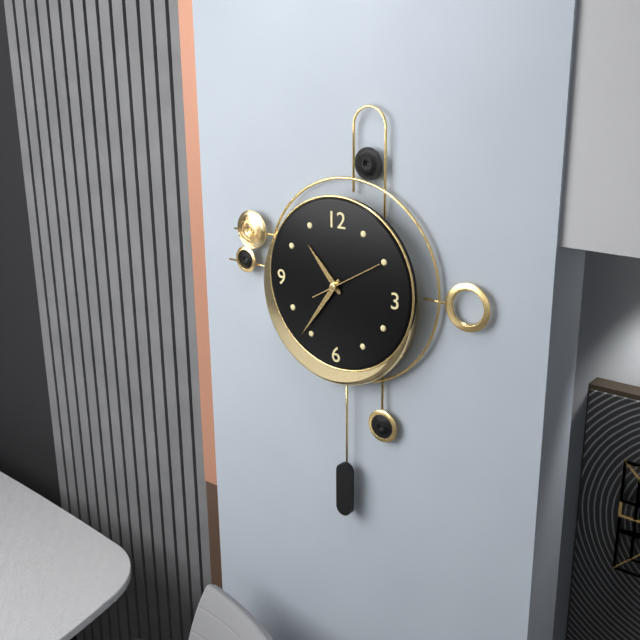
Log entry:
h=10 m=36
